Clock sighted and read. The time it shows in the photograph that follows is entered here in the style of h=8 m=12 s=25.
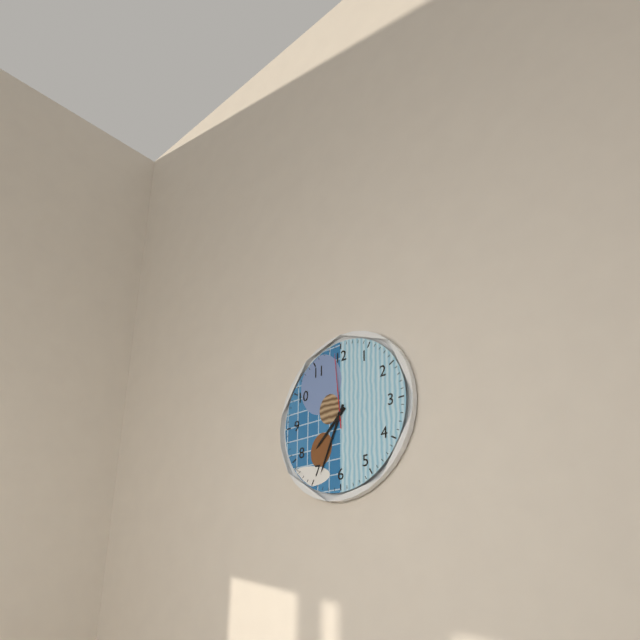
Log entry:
h=7 m=34 s=59
